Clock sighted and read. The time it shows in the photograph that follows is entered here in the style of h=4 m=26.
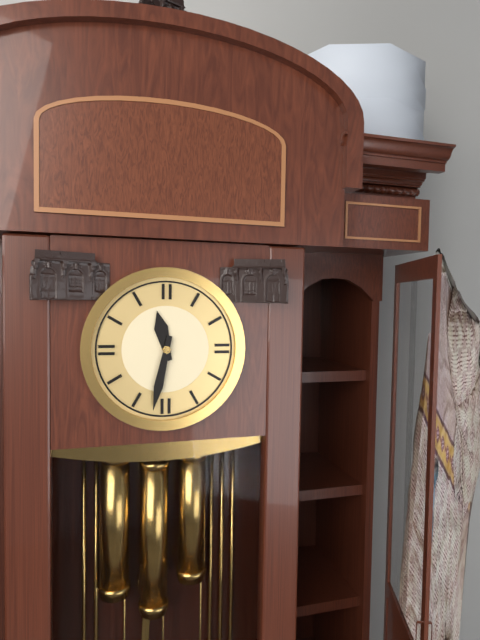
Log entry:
h=11 m=32
